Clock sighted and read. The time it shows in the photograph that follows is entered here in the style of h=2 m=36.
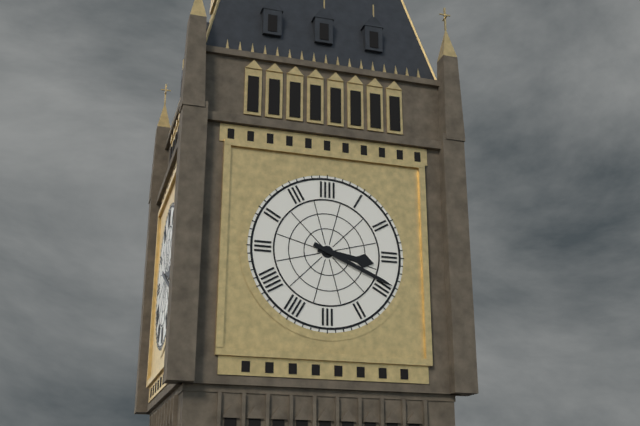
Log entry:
h=3 m=19
